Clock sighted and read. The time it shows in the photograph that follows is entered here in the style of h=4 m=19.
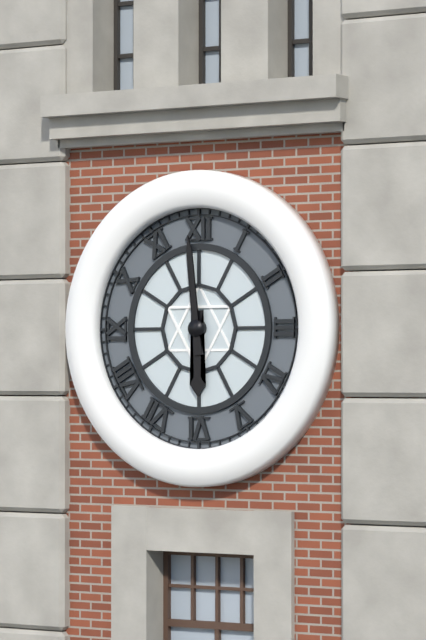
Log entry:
h=5 m=59
